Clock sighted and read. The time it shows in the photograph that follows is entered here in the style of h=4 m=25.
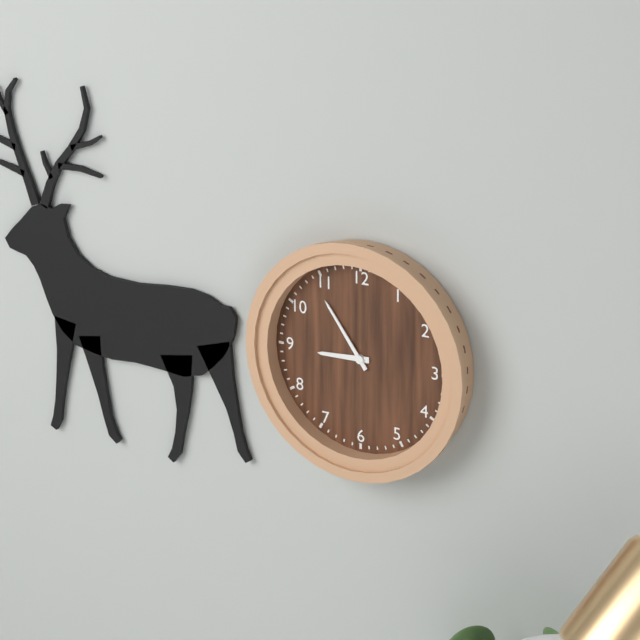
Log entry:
h=8 m=54
